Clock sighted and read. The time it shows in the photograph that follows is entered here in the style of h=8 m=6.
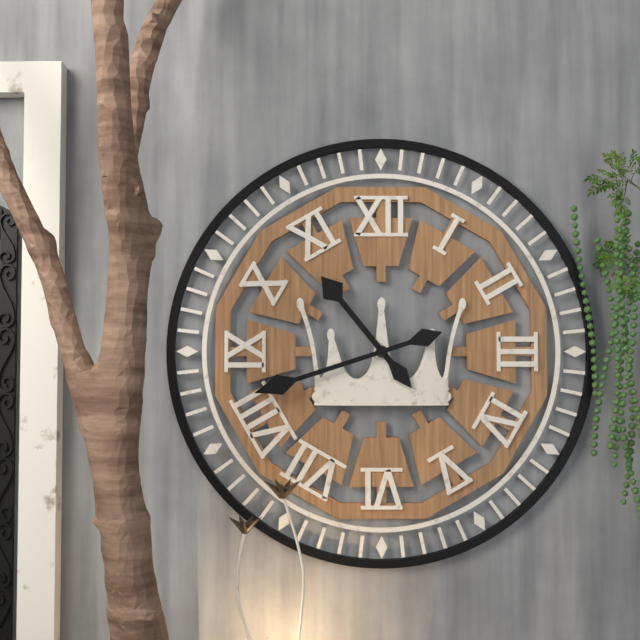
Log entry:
h=10 m=42
